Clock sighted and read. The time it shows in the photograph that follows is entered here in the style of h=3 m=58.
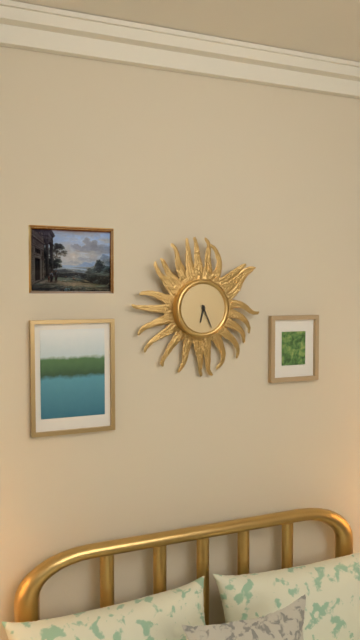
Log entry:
h=6 m=26
